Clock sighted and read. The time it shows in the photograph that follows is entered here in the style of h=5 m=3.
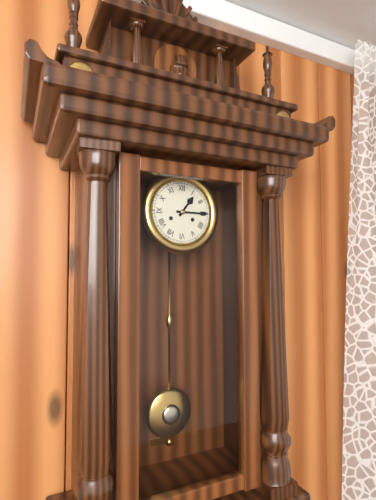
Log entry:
h=1 m=15
